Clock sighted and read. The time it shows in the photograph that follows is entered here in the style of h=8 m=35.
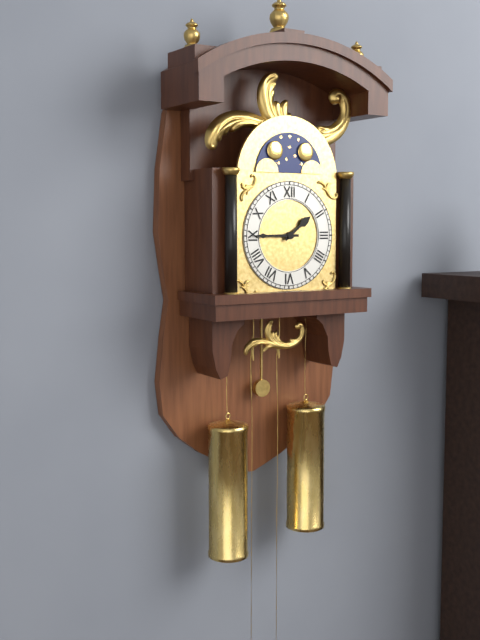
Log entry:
h=1 m=45
